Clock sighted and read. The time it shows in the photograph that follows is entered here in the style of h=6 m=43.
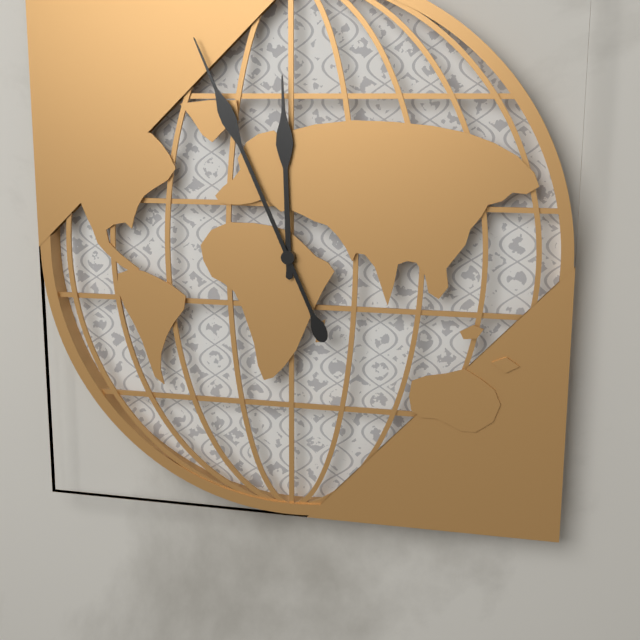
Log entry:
h=11 m=56
